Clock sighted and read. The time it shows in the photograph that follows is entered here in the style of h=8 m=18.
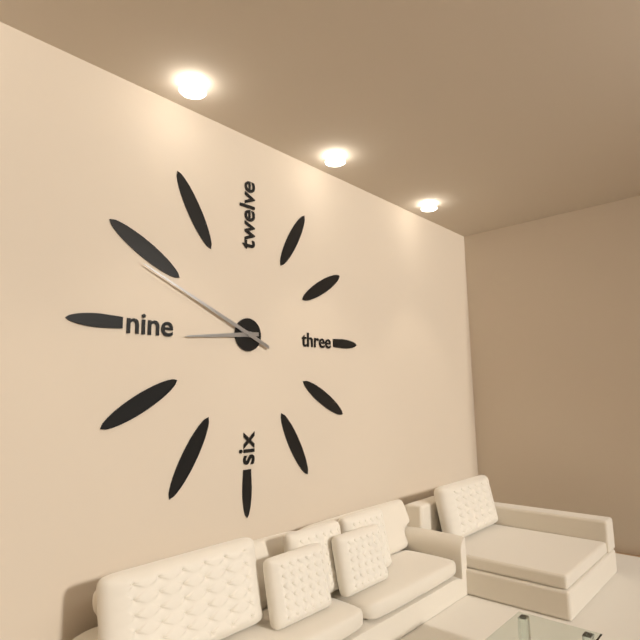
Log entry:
h=8 m=49
